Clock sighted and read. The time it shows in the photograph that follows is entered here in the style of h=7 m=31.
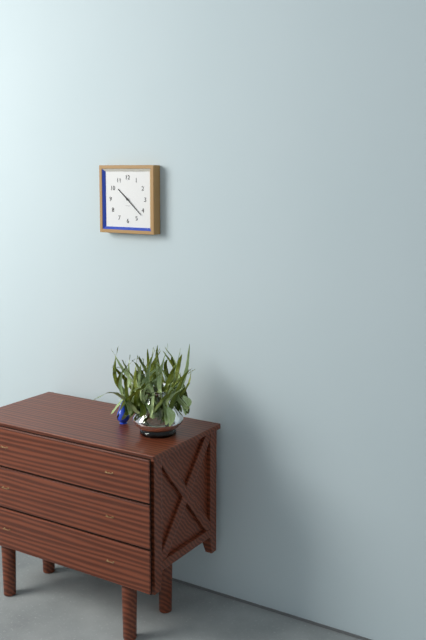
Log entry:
h=10 m=22
